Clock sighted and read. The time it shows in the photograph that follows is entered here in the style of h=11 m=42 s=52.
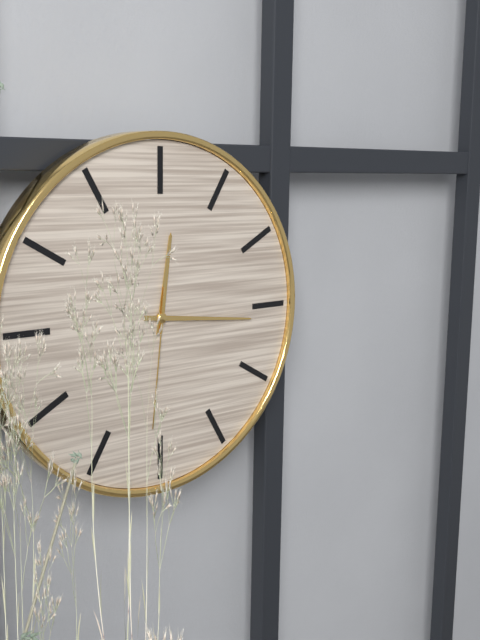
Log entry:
h=12 m=16 s=31
